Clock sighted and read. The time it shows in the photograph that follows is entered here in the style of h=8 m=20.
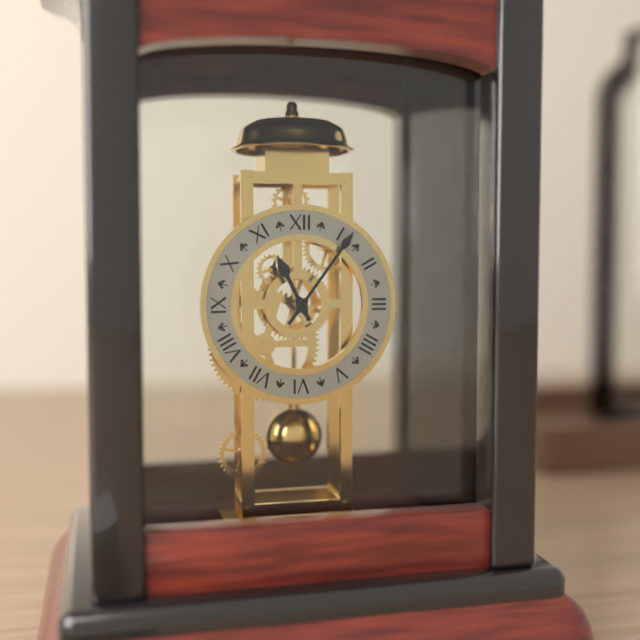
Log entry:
h=11 m=6
